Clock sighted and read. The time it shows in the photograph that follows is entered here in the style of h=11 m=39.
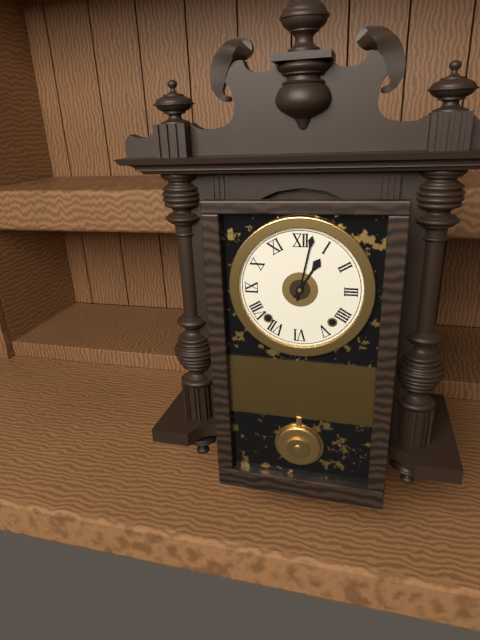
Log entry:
h=1 m=2
